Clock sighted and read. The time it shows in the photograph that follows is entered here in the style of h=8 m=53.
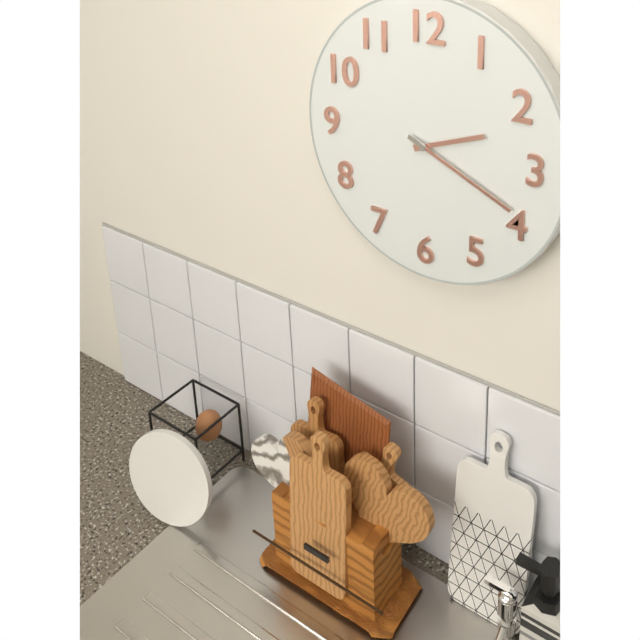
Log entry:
h=2 m=19
